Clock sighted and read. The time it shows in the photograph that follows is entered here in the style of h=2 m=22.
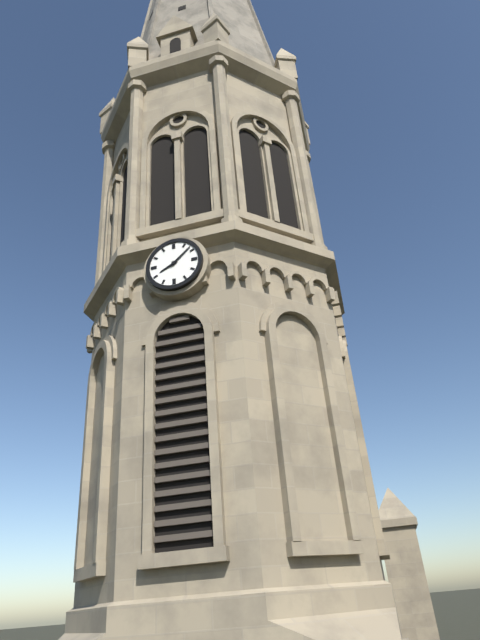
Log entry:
h=8 m=8
